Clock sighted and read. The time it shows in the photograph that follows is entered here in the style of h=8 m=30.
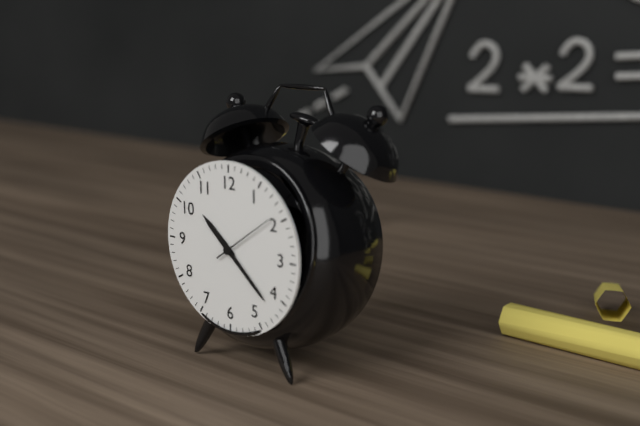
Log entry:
h=10 m=22
